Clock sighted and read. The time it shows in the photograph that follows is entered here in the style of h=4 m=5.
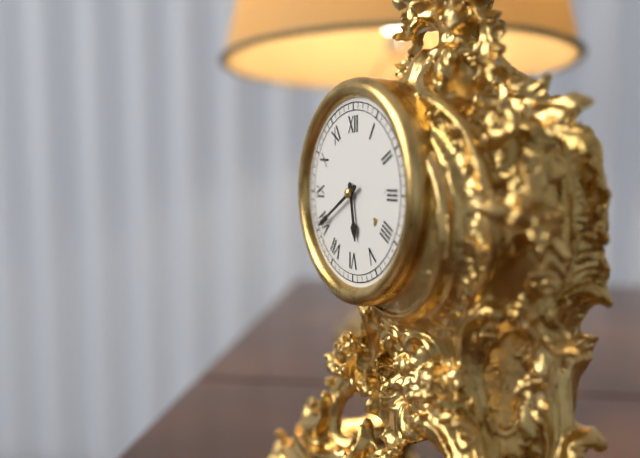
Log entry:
h=5 m=40
